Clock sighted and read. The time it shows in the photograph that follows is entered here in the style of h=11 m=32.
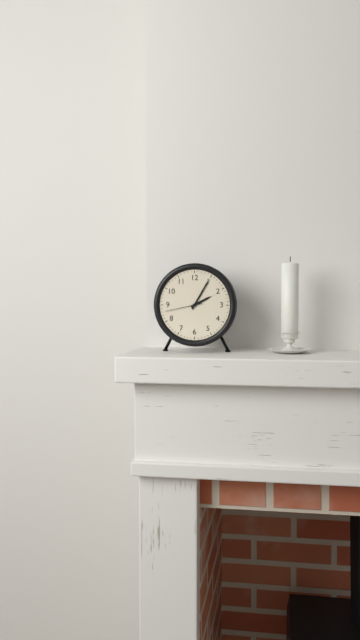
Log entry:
h=2 m=5
